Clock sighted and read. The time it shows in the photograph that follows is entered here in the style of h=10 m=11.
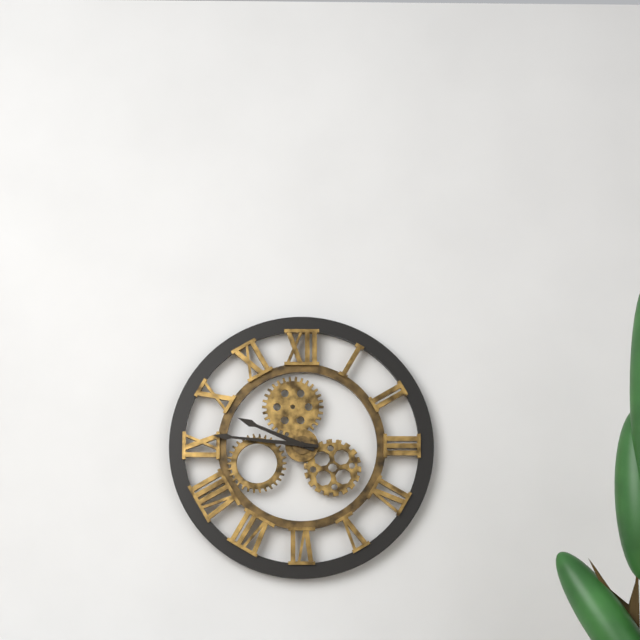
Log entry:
h=9 m=46
